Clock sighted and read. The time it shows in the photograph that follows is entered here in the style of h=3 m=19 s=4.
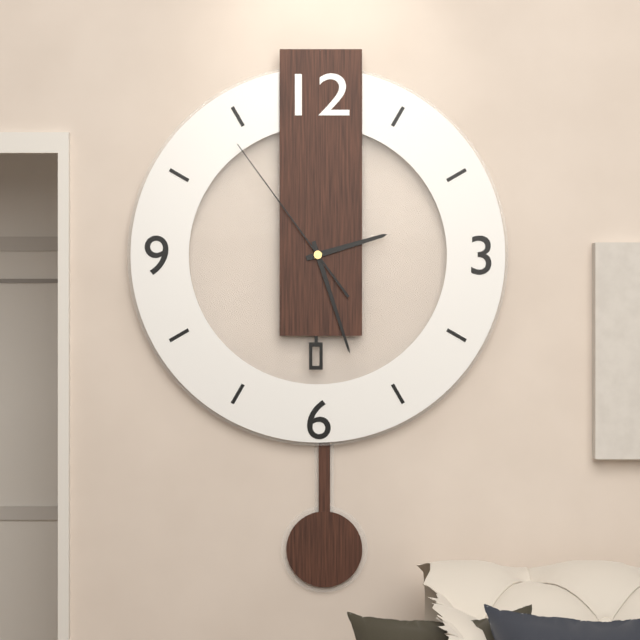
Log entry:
h=2 m=27 s=54
